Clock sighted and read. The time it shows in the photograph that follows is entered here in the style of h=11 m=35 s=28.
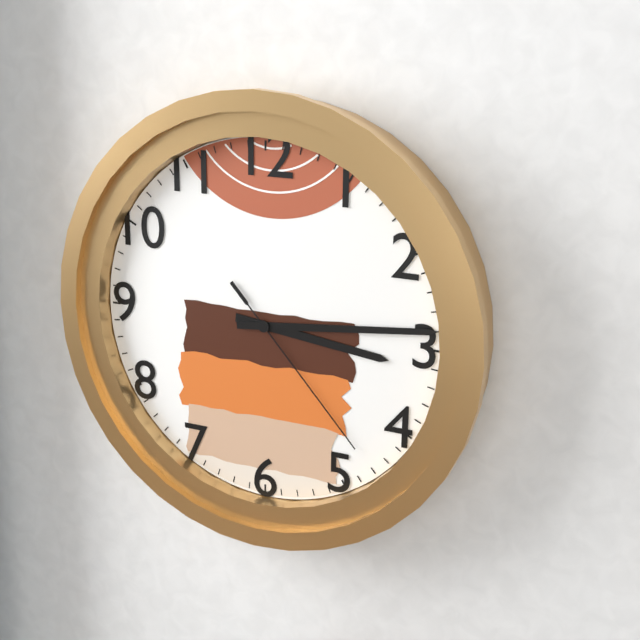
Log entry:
h=3 m=14 s=23
